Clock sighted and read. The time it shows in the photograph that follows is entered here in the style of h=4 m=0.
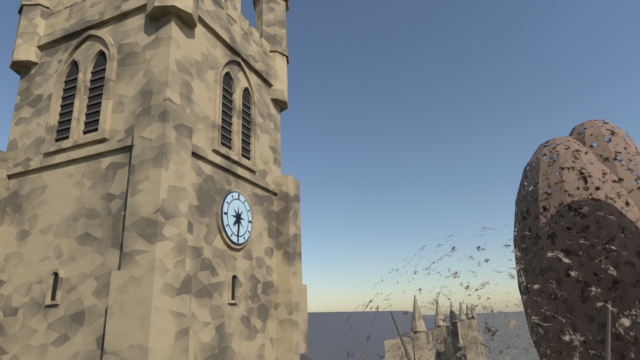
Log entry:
h=7 m=31
